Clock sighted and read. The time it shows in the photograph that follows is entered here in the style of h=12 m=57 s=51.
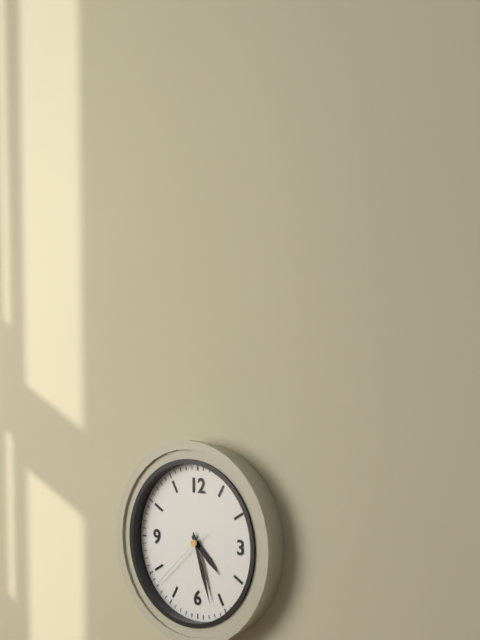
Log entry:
h=4 m=27 s=38
